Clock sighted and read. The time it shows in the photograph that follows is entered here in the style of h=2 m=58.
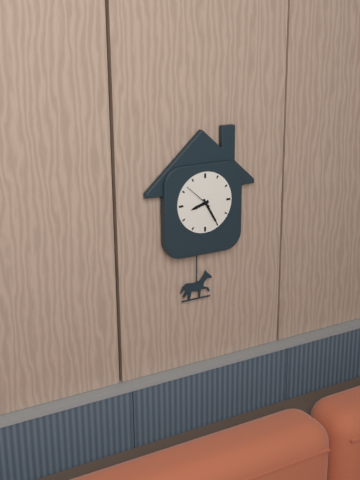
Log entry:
h=8 m=25
